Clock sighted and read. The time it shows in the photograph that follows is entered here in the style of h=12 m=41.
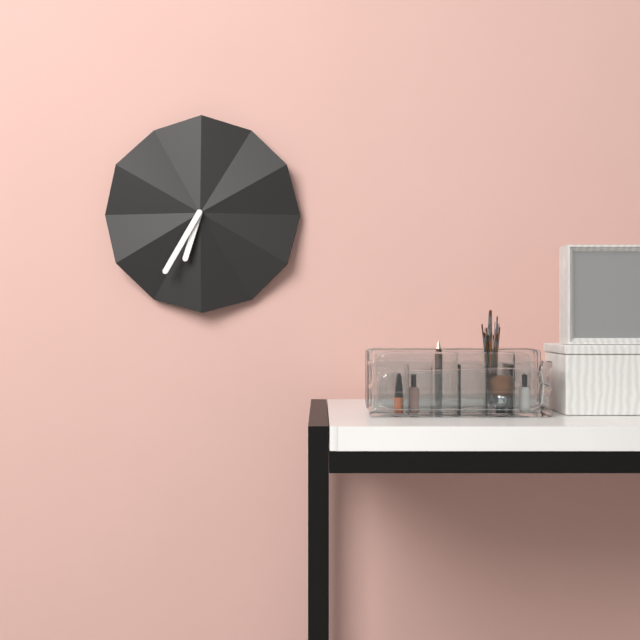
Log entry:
h=6 m=35
